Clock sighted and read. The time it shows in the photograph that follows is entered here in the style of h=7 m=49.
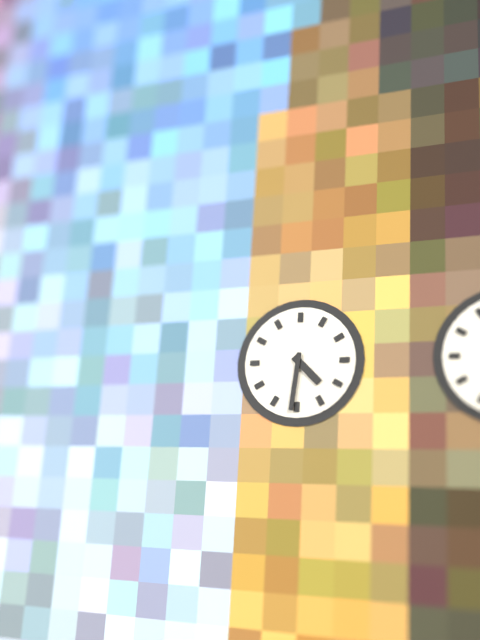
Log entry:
h=4 m=31
